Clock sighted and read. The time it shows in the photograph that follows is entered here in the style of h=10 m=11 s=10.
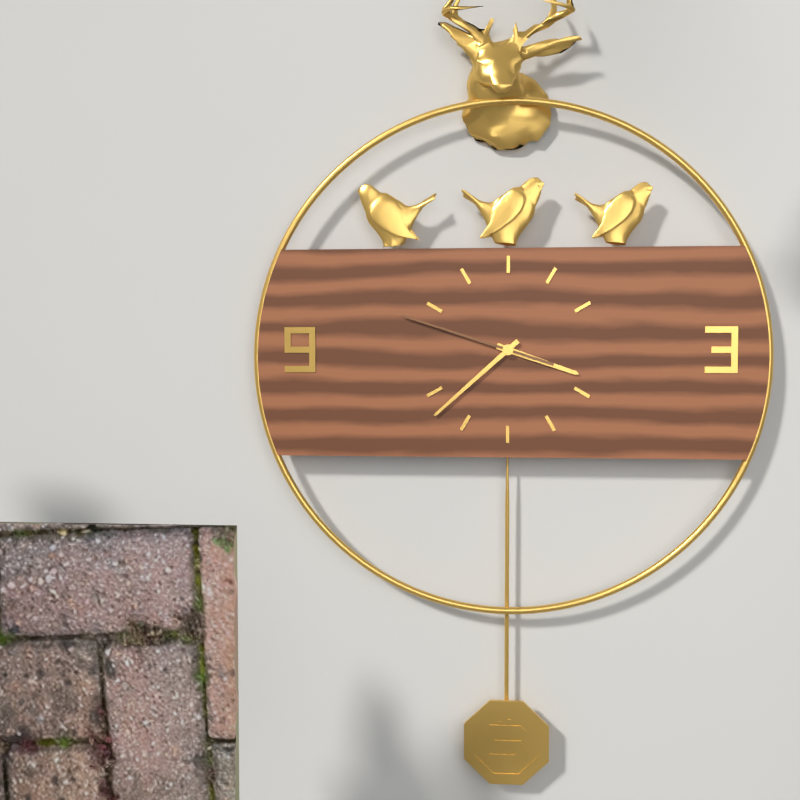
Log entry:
h=3 m=38 s=48
